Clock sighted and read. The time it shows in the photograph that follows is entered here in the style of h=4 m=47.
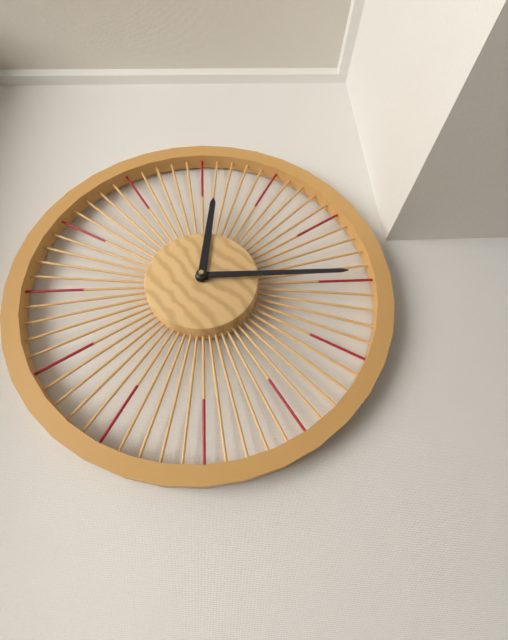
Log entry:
h=12 m=15
